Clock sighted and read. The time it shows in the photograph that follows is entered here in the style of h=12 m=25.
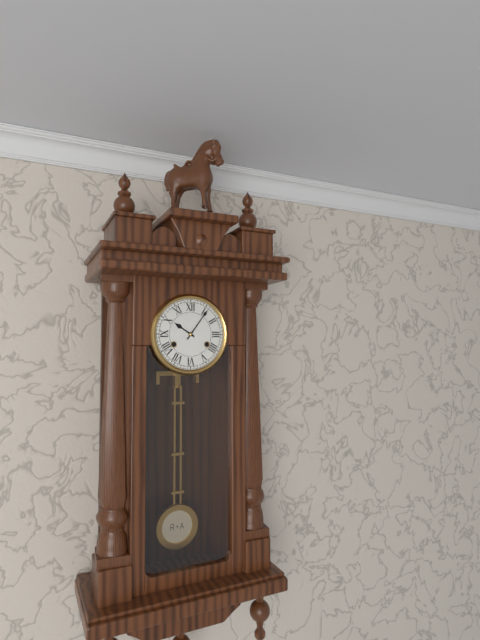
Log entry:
h=10 m=6
